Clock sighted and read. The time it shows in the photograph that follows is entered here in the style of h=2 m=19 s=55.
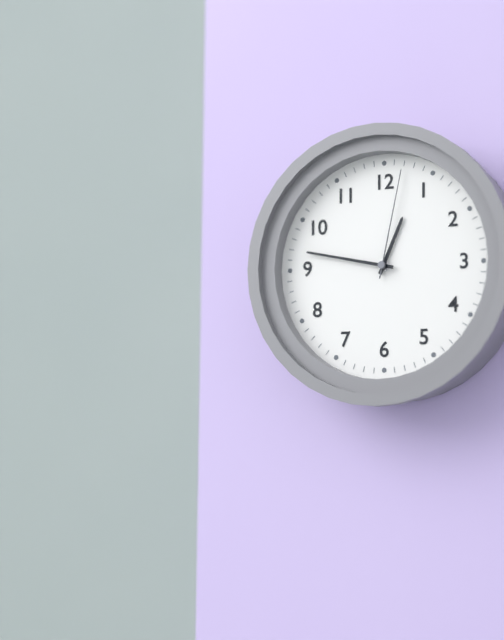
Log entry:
h=12 m=47 s=2
